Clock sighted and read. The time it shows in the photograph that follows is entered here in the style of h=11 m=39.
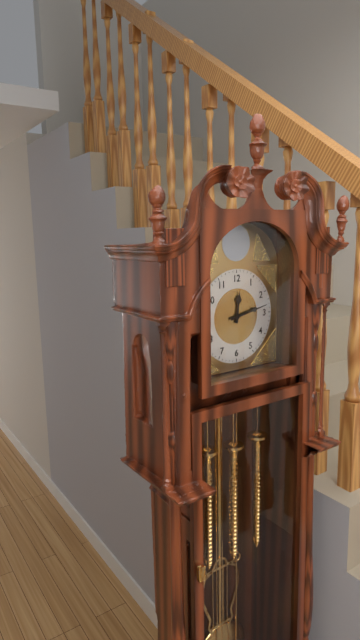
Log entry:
h=12 m=13
